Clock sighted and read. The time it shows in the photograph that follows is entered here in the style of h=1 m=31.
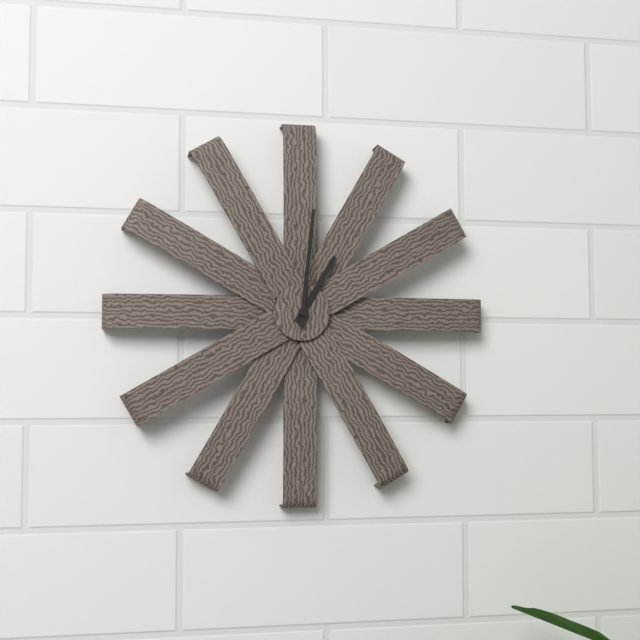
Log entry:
h=1 m=1
